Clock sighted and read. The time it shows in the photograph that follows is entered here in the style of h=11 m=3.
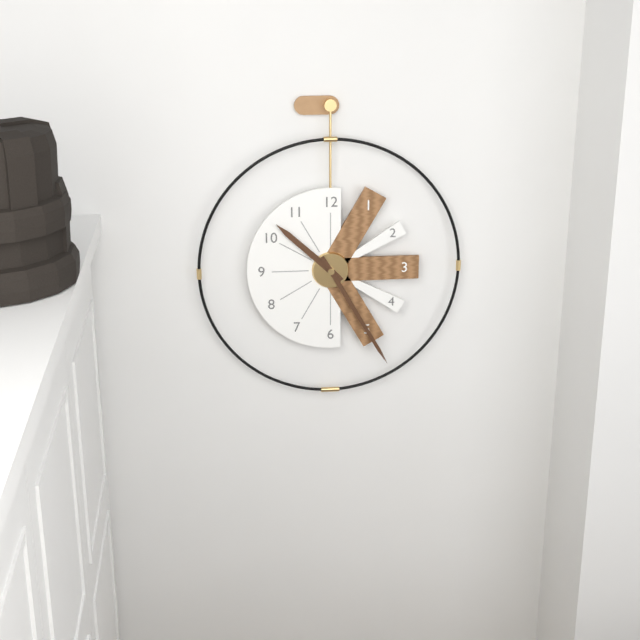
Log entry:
h=10 m=25
